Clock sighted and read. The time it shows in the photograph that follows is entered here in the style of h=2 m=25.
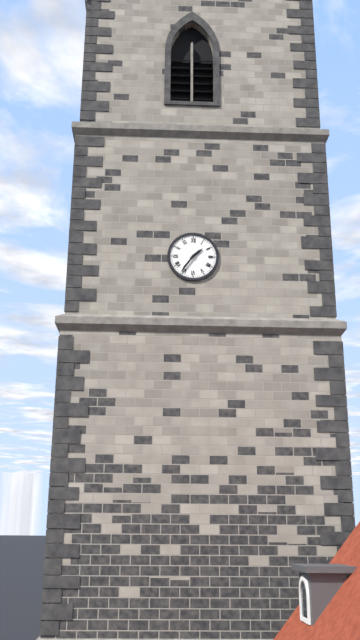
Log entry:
h=1 m=36
